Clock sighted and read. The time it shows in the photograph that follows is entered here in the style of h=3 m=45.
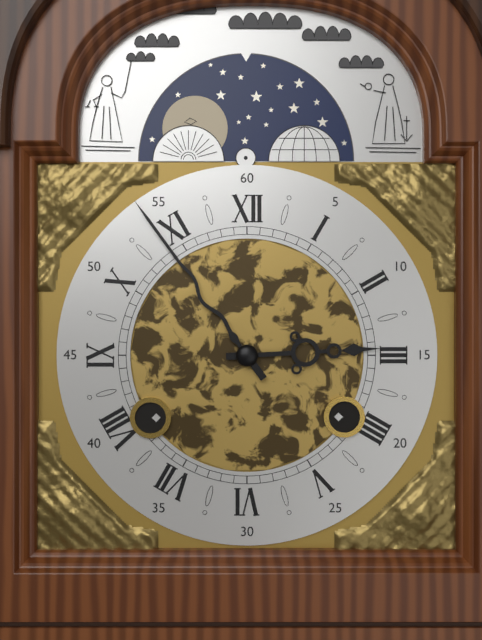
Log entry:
h=2 m=54
